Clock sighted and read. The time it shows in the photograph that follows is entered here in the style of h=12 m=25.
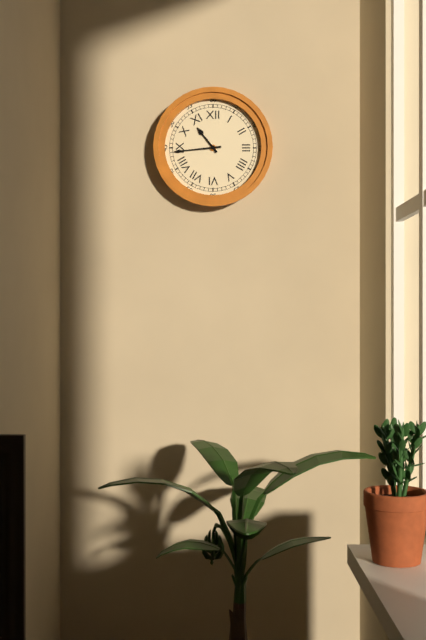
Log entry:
h=10 m=44
